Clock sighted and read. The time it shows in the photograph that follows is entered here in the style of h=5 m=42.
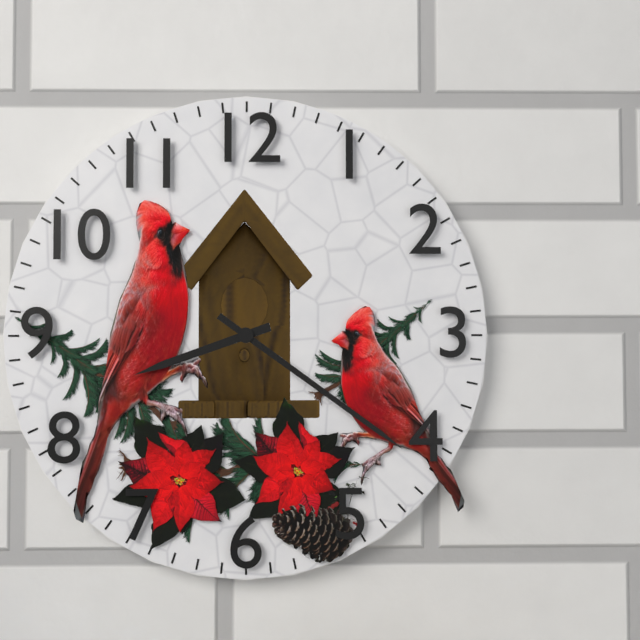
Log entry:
h=8 m=21
